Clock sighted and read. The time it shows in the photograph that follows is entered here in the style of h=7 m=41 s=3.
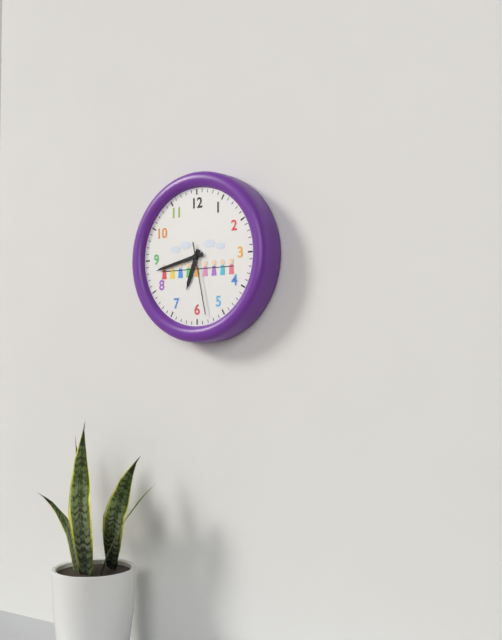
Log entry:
h=6 m=43 s=28
